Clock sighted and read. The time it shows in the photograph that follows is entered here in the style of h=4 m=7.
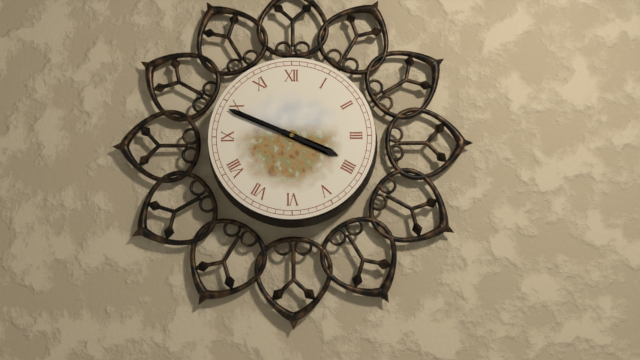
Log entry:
h=3 m=49
